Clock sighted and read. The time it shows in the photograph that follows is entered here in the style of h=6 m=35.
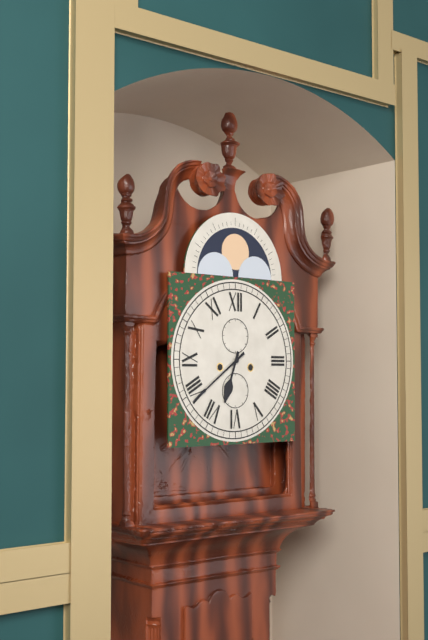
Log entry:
h=6 m=39
